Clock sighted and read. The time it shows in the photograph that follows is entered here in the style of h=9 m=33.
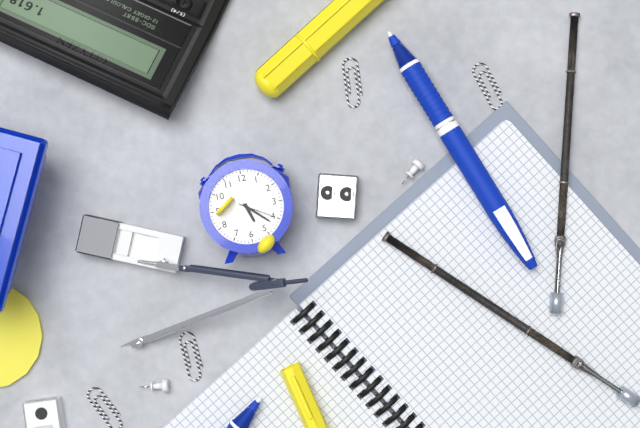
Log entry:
h=5 m=22
